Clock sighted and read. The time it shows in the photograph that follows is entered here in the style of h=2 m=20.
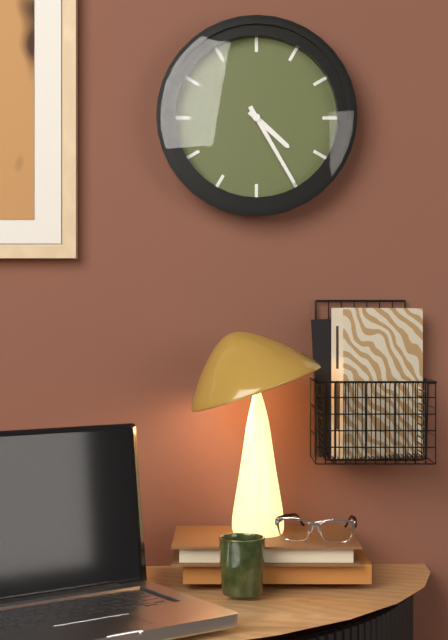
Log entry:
h=4 m=25
